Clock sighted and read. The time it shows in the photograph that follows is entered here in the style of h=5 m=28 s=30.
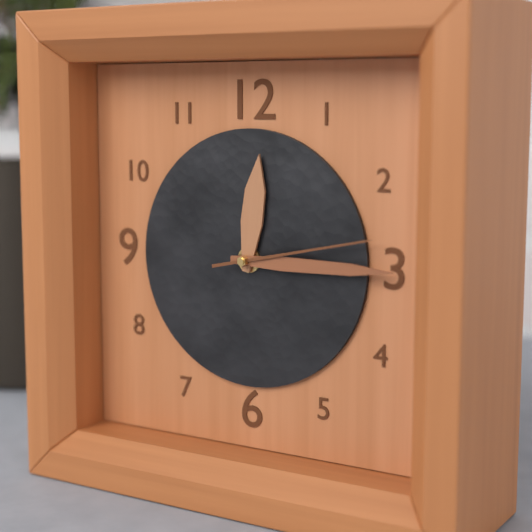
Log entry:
h=12 m=15 s=13
